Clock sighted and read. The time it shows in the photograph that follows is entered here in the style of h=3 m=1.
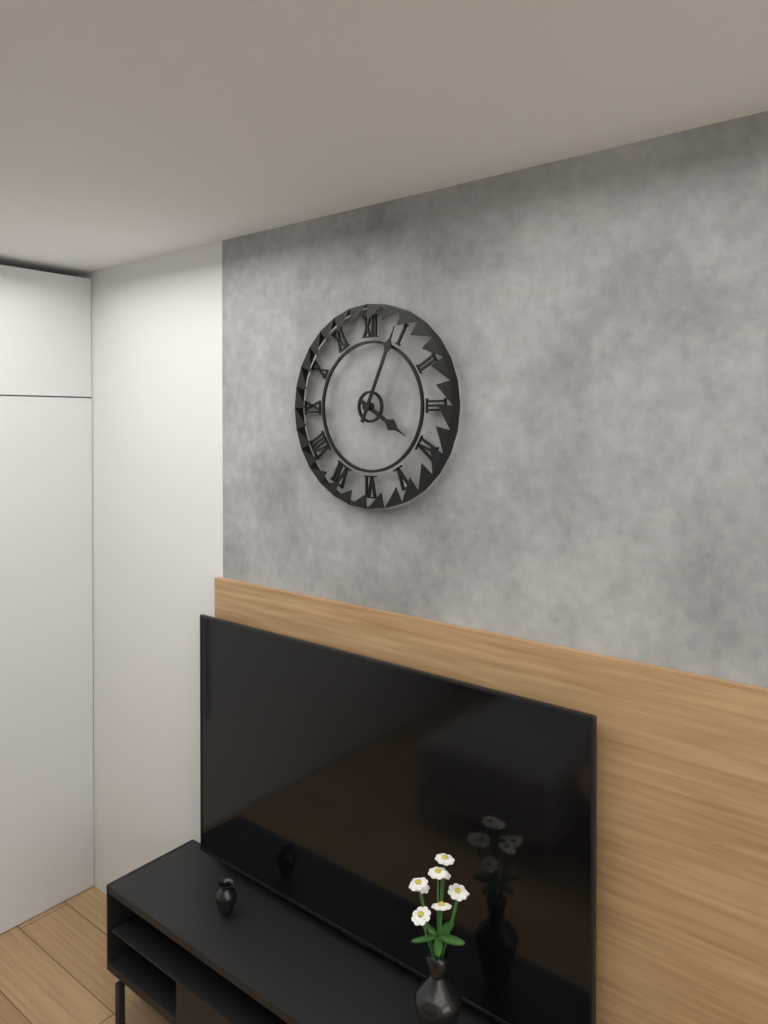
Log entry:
h=4 m=4
